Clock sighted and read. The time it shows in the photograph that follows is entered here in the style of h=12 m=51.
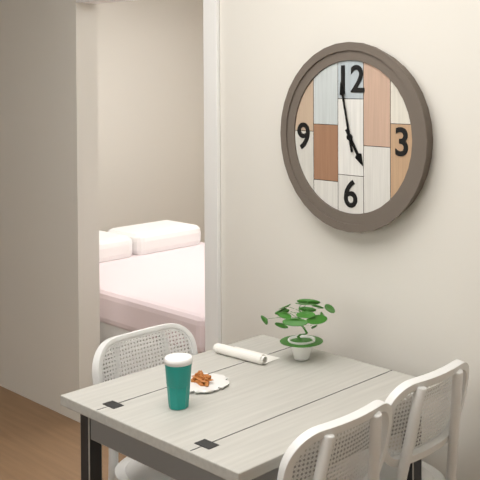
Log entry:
h=4 m=58
